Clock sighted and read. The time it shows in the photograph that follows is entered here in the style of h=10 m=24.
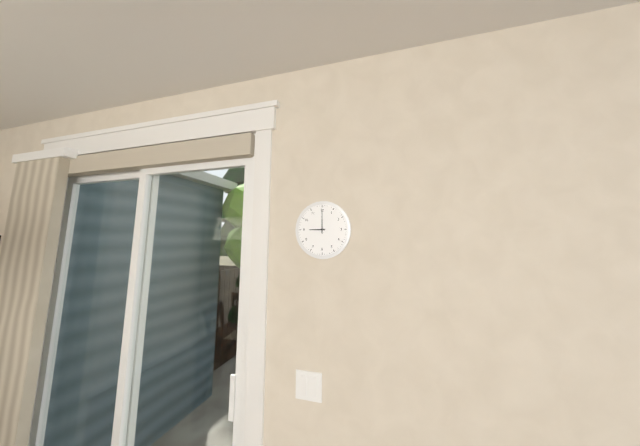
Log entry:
h=9 m=0
